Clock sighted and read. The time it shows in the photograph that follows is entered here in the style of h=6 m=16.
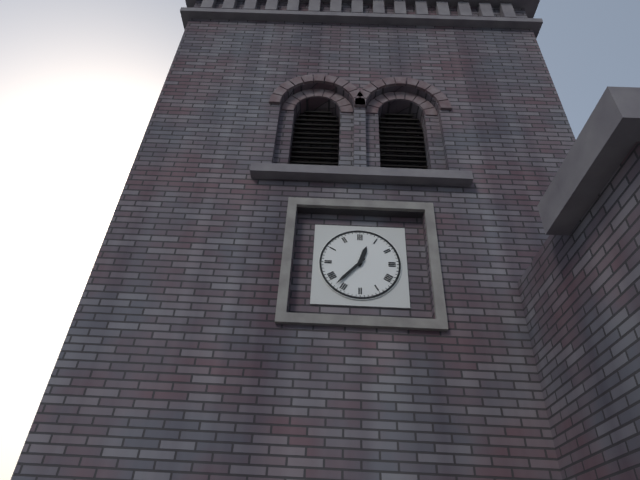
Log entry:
h=12 m=37
